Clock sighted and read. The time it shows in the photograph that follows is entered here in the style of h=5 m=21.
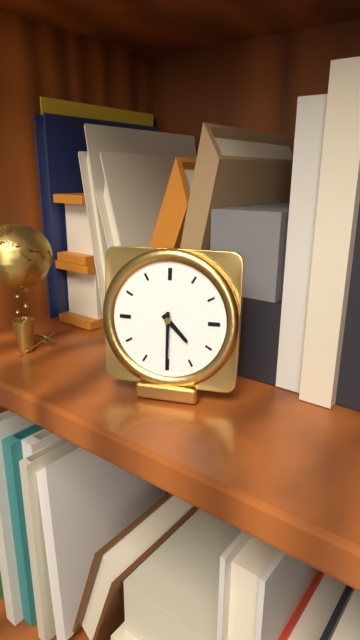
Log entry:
h=4 m=30
